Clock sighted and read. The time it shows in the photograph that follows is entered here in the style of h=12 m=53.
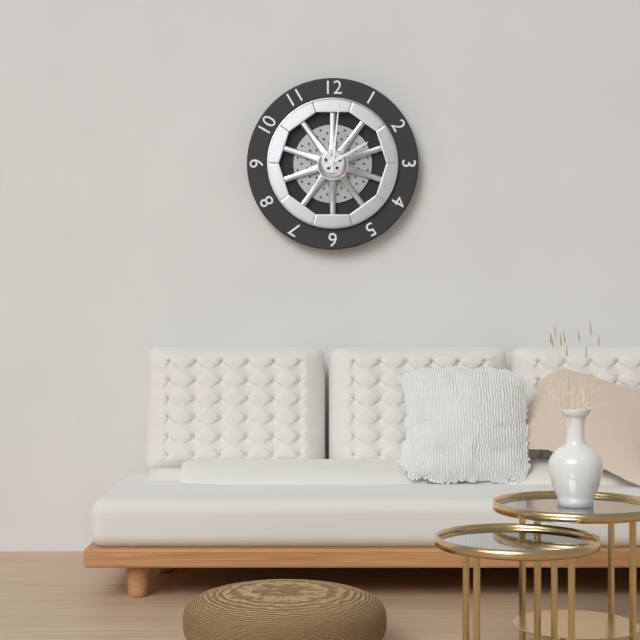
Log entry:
h=2 m=1
